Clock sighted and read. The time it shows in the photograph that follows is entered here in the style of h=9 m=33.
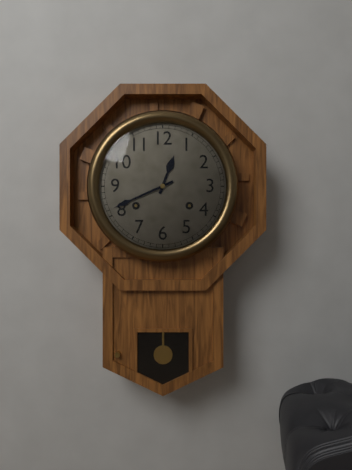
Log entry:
h=12 m=41
